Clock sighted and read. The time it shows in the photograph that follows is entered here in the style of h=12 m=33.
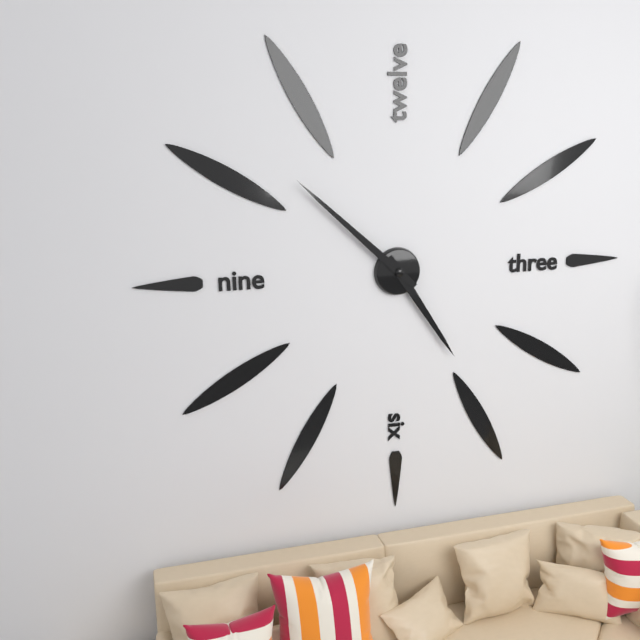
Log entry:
h=4 m=52
